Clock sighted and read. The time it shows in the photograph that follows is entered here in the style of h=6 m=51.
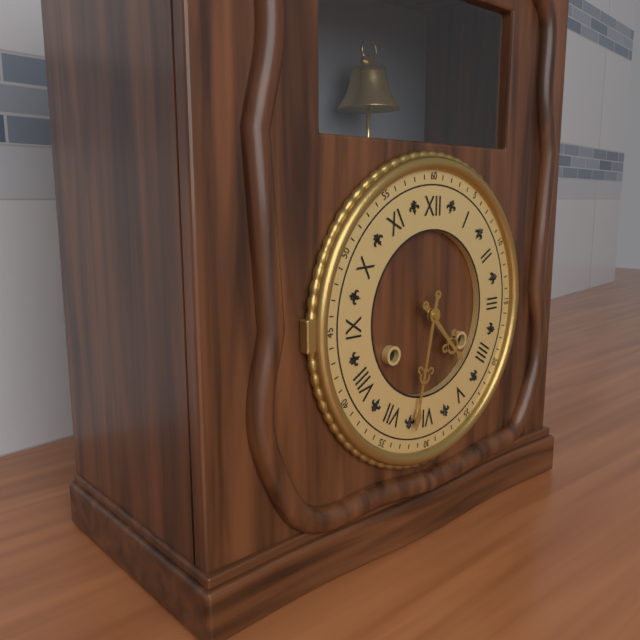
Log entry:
h=4 m=32
